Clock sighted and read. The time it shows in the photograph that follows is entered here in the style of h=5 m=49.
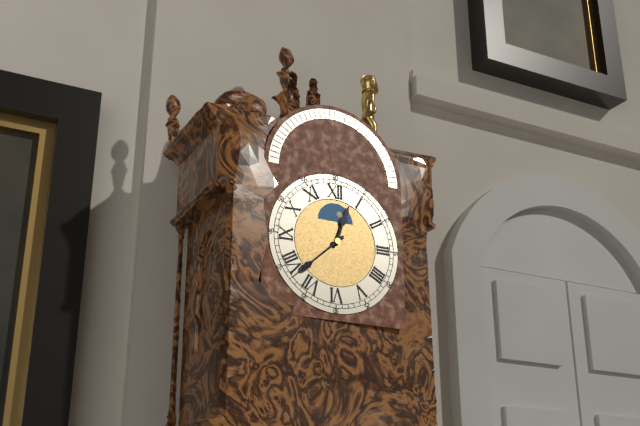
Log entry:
h=12 m=38
